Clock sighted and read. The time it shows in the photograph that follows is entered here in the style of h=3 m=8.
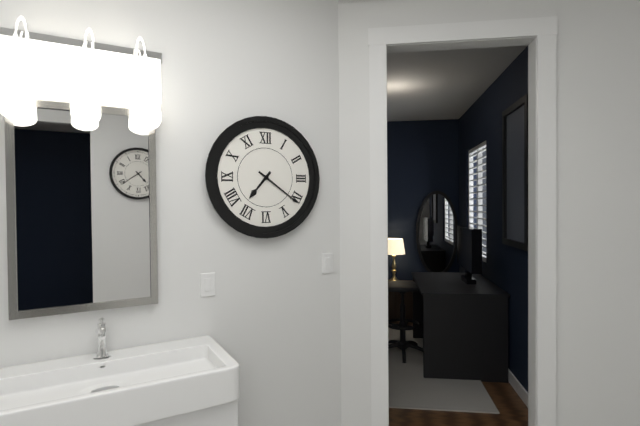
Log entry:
h=7 m=21
